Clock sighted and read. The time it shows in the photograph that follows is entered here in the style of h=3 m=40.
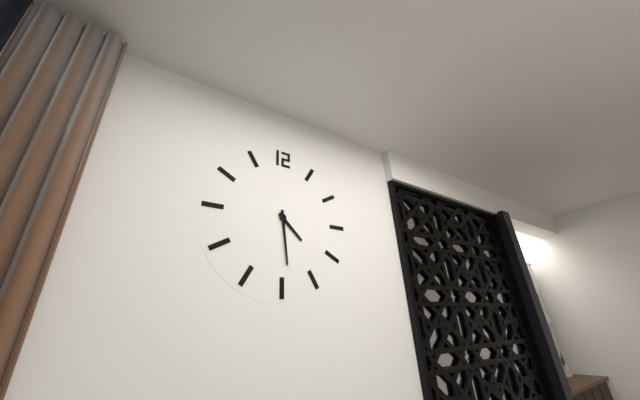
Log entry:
h=4 m=29
